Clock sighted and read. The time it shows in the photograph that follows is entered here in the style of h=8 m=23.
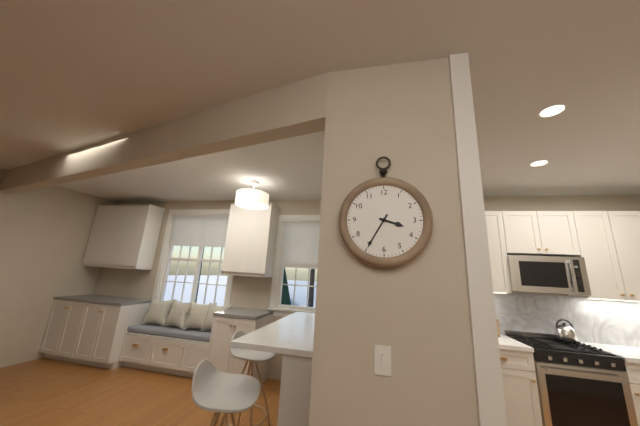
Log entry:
h=3 m=35
